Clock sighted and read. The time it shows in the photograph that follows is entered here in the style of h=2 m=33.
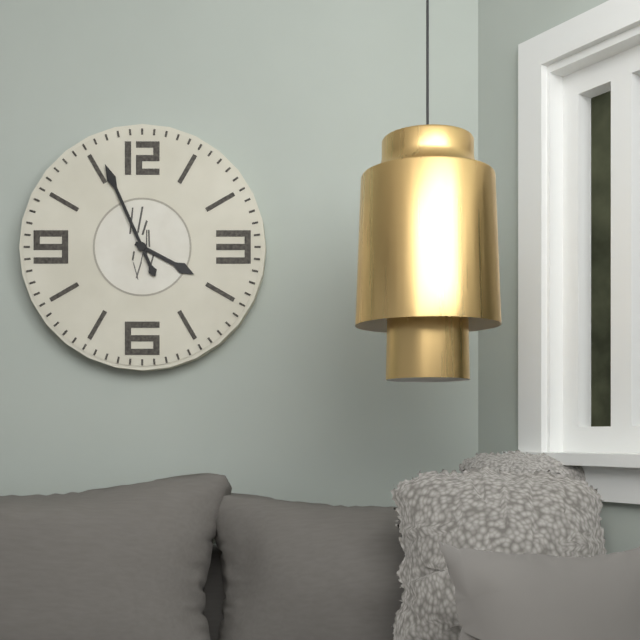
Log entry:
h=3 m=56
